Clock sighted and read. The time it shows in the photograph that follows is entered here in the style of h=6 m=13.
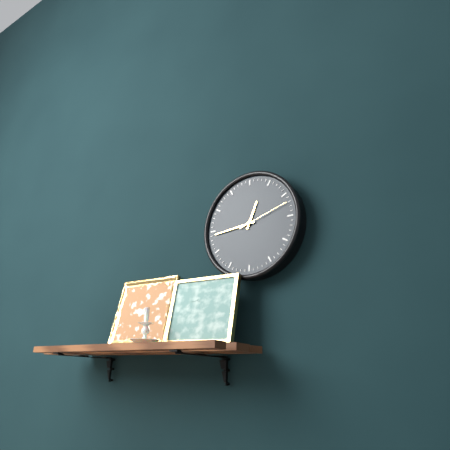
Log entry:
h=12 m=44
